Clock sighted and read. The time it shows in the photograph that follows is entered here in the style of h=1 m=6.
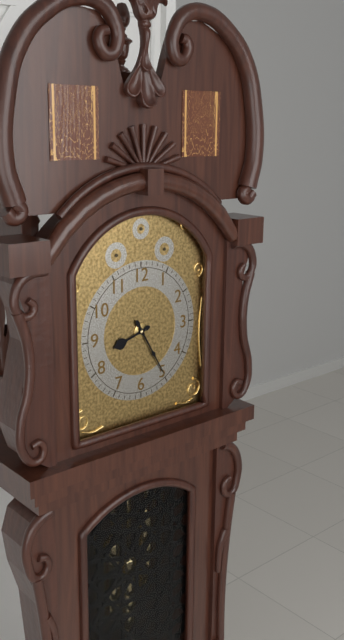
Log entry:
h=8 m=25
